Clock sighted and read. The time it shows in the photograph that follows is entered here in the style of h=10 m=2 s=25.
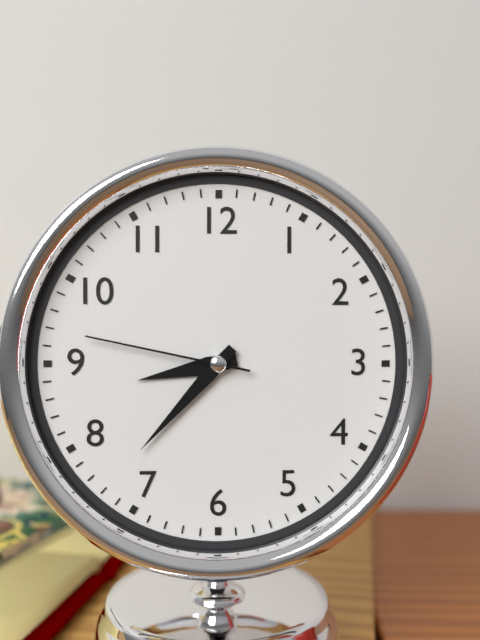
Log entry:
h=8 m=37 s=47
